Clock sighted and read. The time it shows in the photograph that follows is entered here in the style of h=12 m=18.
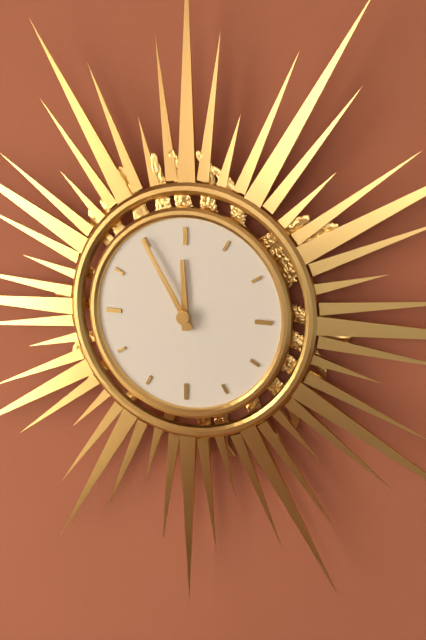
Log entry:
h=11 m=55
